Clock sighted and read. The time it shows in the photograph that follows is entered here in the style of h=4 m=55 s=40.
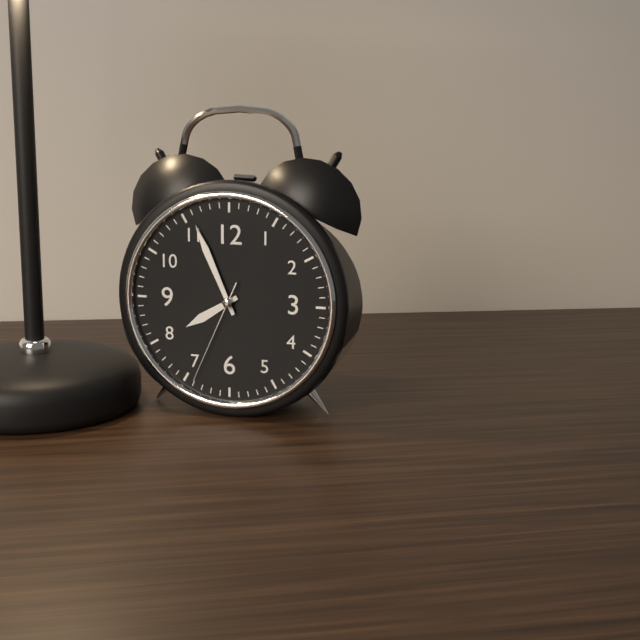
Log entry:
h=7 m=56 s=34
